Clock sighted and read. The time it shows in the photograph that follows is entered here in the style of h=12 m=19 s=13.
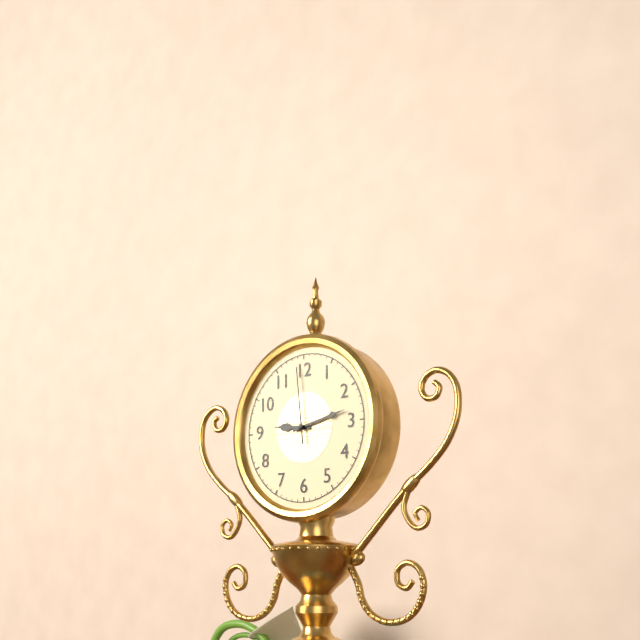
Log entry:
h=9 m=13 s=59
